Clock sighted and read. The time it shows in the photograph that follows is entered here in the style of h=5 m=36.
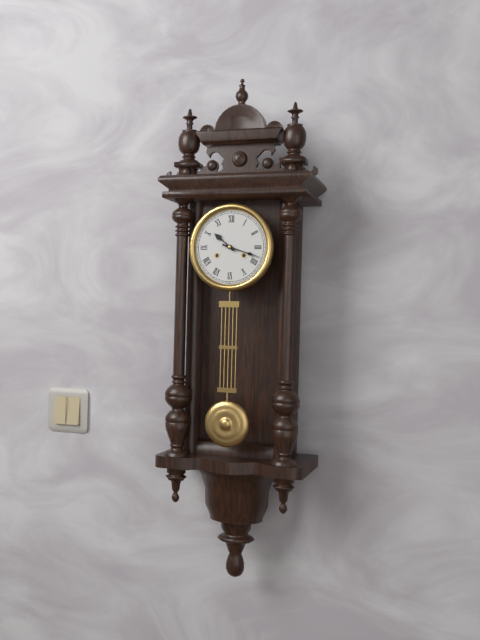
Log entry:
h=10 m=18
